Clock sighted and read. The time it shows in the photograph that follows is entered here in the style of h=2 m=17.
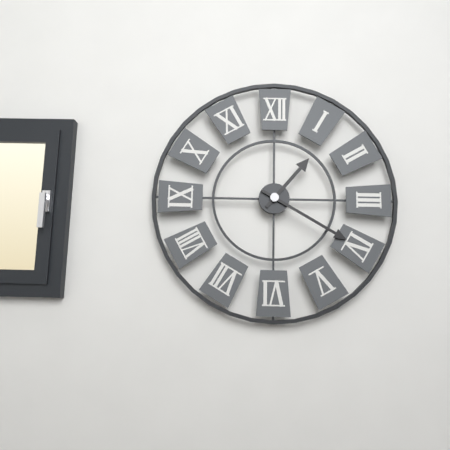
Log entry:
h=1 m=20
